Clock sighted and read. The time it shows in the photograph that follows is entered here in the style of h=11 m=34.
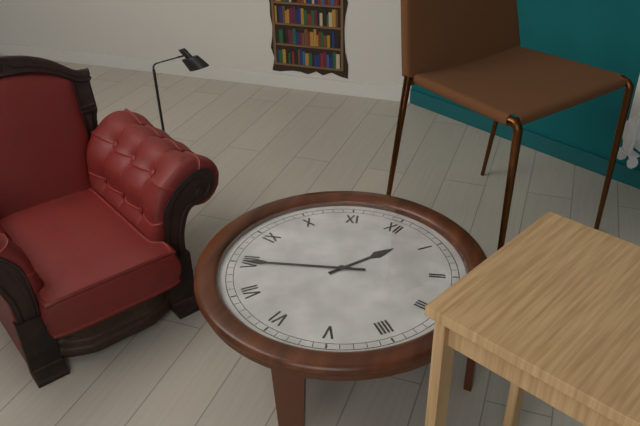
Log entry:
h=12 m=40
